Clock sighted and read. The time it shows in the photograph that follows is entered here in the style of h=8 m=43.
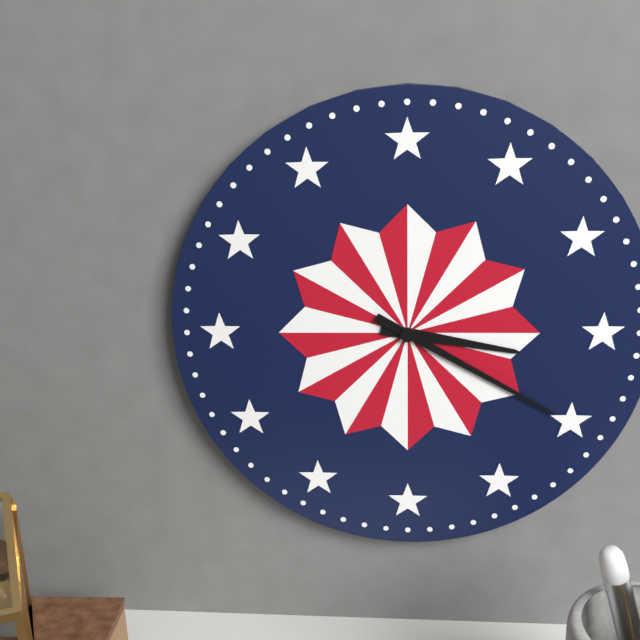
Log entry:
h=3 m=20
